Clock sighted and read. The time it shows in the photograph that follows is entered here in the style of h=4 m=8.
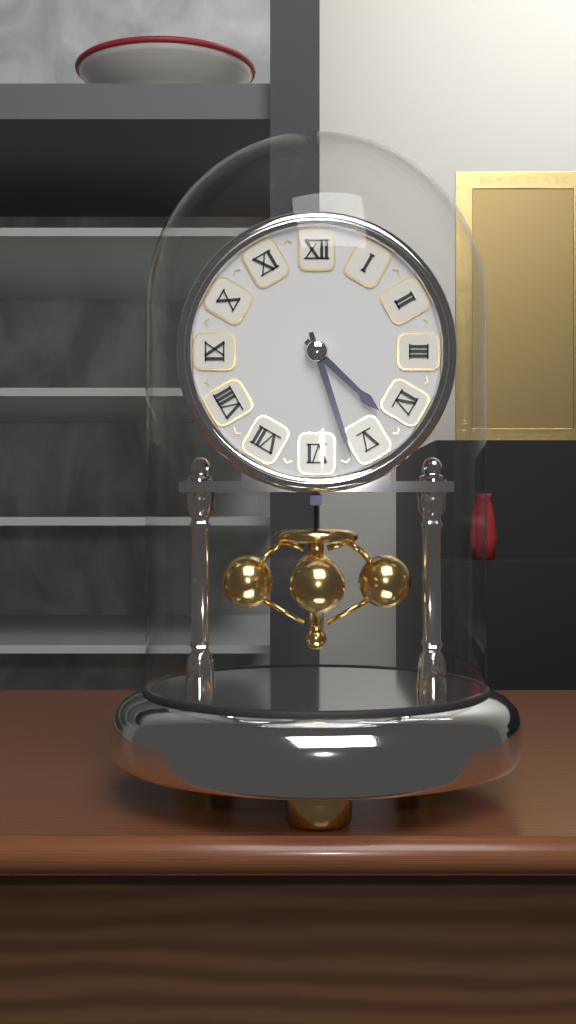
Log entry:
h=4 m=27
